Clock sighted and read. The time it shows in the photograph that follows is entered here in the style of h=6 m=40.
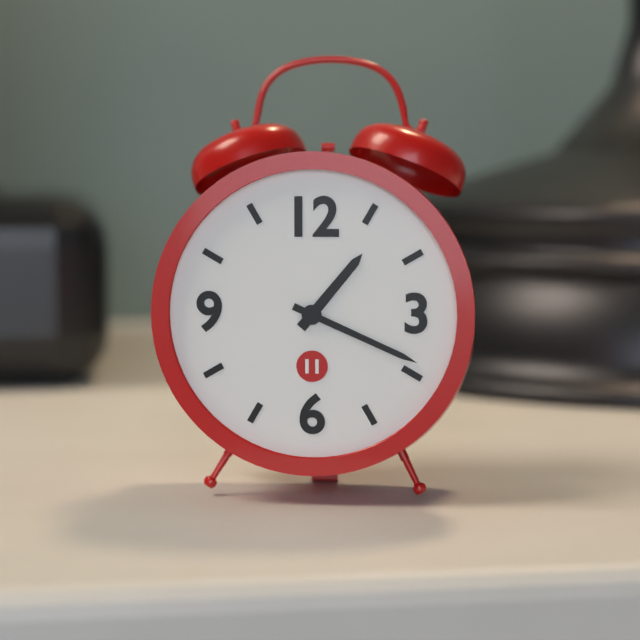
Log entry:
h=1 m=19
